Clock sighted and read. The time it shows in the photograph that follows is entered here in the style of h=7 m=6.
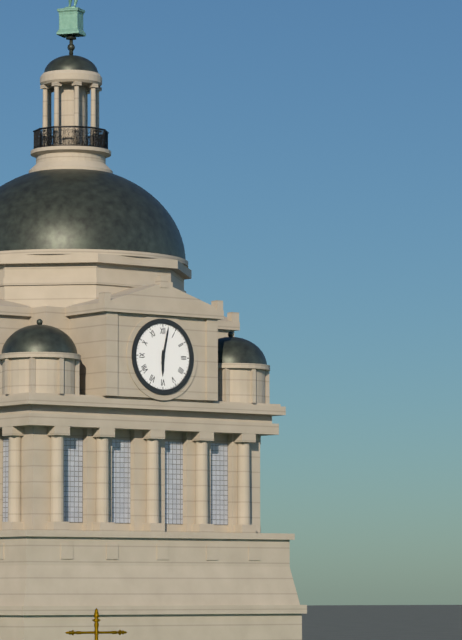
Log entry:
h=6 m=2
